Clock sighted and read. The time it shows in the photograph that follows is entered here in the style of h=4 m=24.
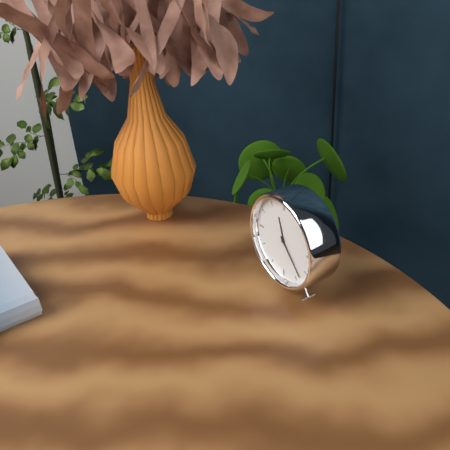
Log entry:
h=11 m=23
